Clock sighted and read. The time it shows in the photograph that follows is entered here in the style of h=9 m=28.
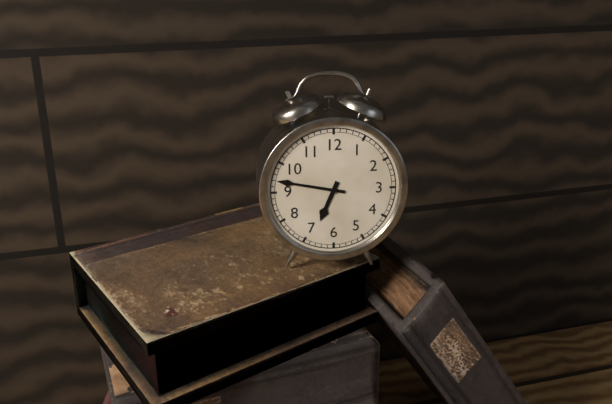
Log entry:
h=6 m=47
